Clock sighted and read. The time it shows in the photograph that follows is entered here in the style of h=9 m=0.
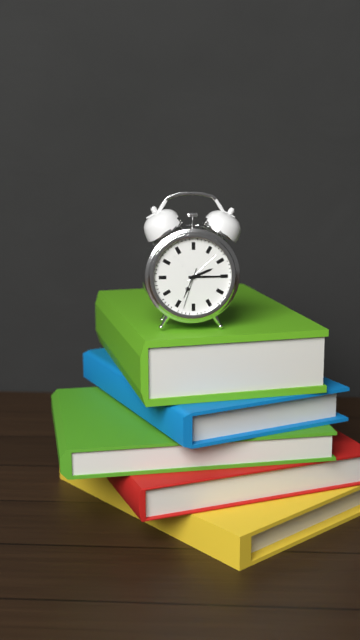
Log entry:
h=2 m=15
